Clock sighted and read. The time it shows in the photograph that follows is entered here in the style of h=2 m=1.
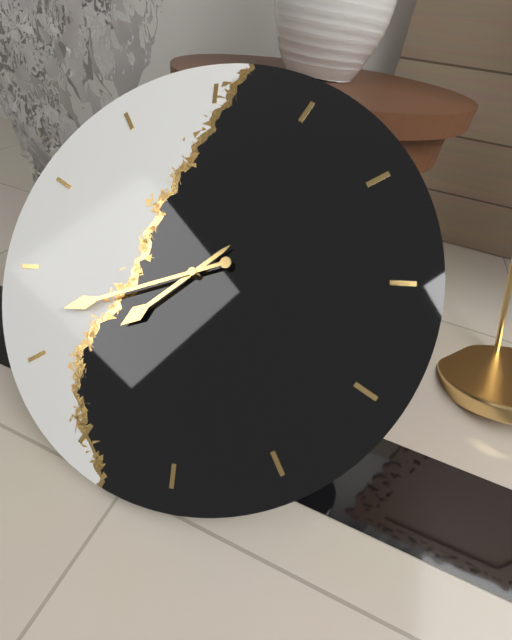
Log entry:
h=7 m=42
